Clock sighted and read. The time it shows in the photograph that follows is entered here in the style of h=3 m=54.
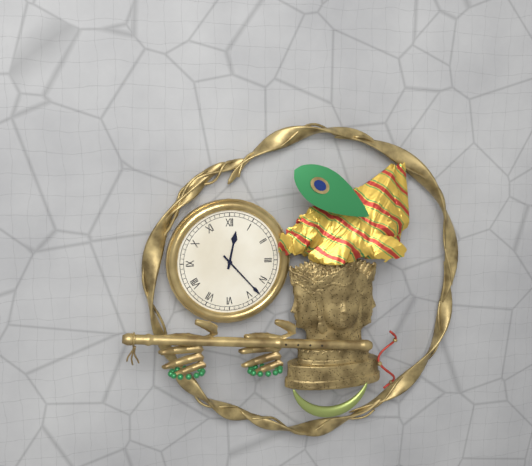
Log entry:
h=12 m=23
